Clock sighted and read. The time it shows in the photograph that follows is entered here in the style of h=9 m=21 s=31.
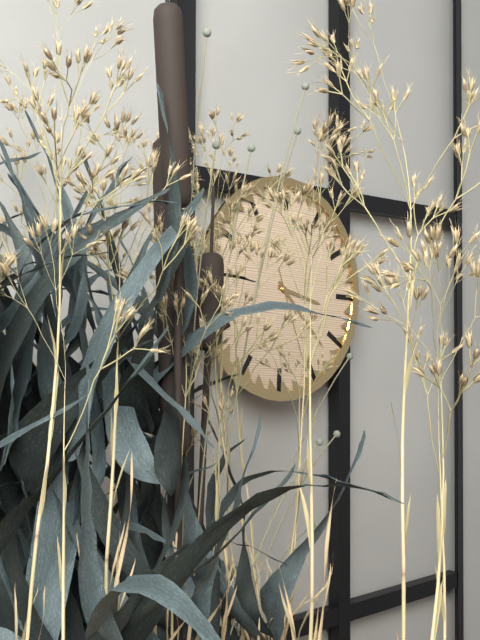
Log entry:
h=3 m=22 s=26
